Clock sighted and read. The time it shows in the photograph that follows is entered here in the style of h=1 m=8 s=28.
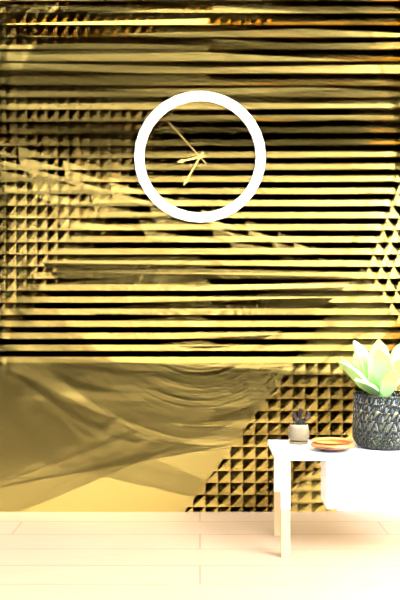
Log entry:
h=8 m=35 s=53
